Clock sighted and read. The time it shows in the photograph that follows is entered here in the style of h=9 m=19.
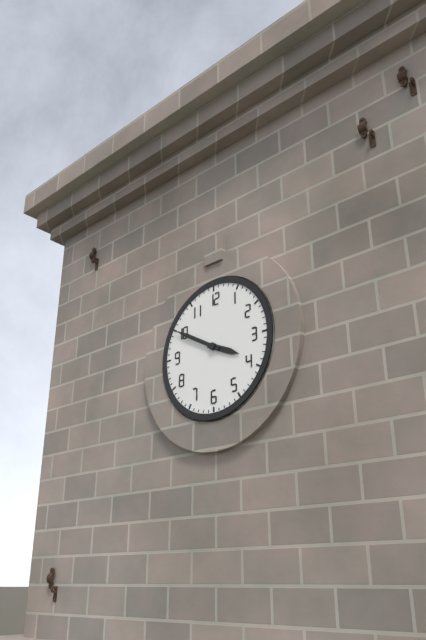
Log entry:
h=3 m=50
